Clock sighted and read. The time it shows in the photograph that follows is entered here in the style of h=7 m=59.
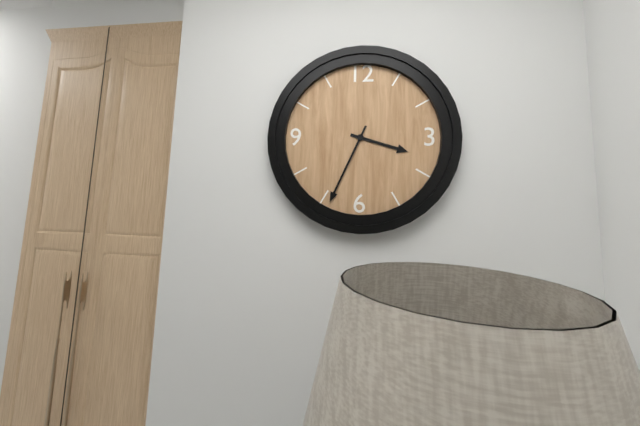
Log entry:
h=3 m=34
